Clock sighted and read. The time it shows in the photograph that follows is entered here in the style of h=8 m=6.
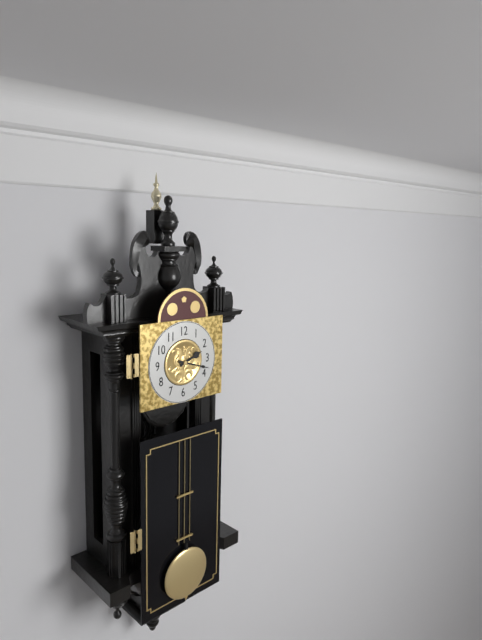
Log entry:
h=2 m=18
